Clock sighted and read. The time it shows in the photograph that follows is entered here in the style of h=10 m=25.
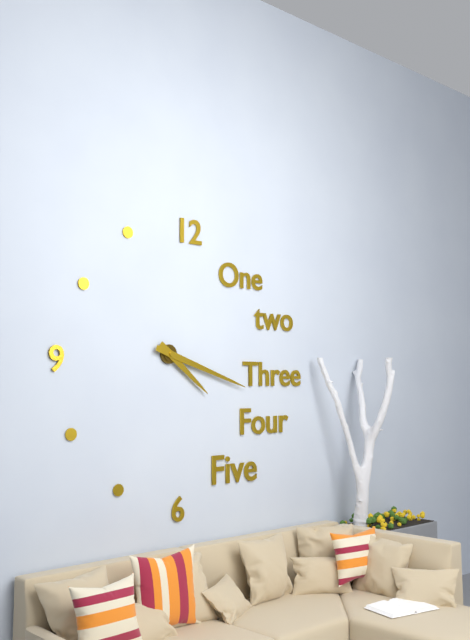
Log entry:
h=4 m=18
